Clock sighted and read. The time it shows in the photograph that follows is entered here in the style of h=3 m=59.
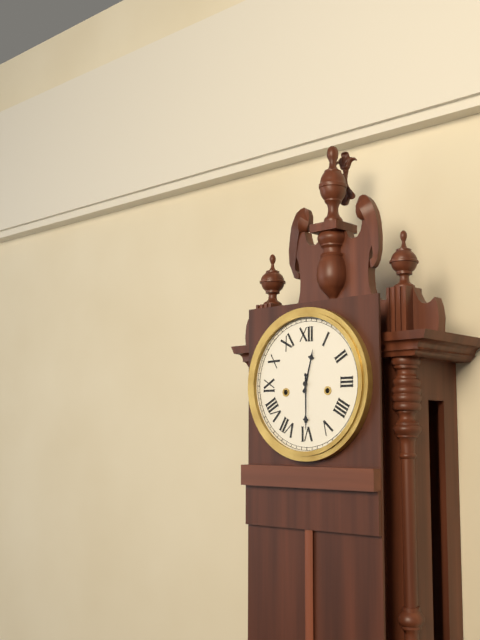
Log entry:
h=12 m=30
